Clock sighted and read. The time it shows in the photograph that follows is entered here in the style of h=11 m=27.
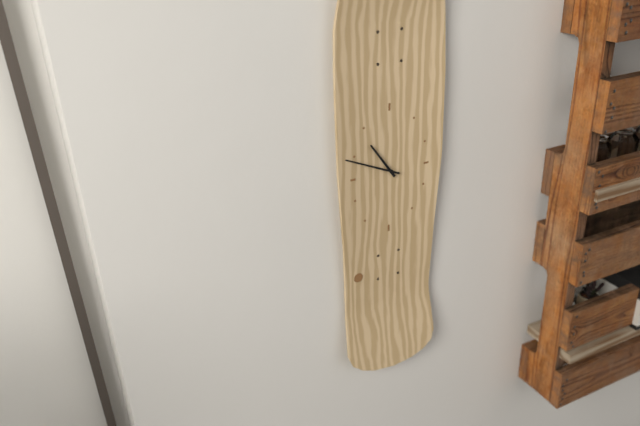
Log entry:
h=10 m=49
